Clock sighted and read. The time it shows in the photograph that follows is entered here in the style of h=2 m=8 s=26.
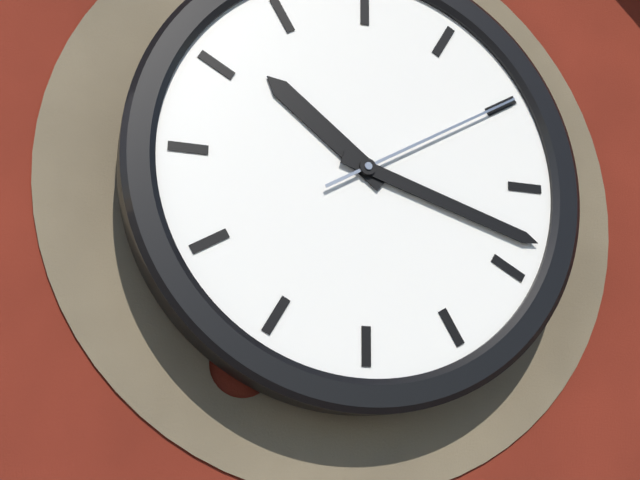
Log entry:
h=10 m=18 s=10
